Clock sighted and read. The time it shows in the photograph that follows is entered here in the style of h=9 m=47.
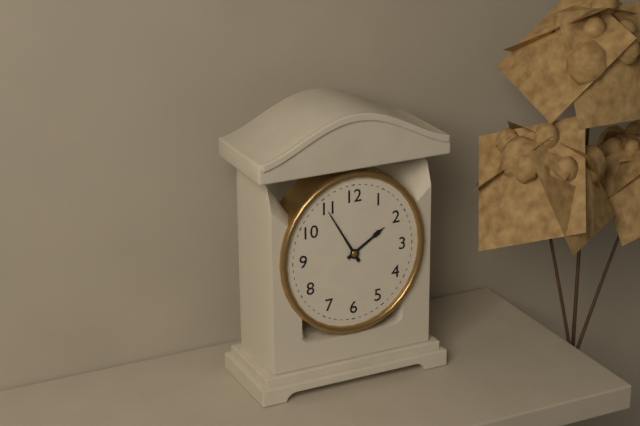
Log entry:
h=1 m=55
